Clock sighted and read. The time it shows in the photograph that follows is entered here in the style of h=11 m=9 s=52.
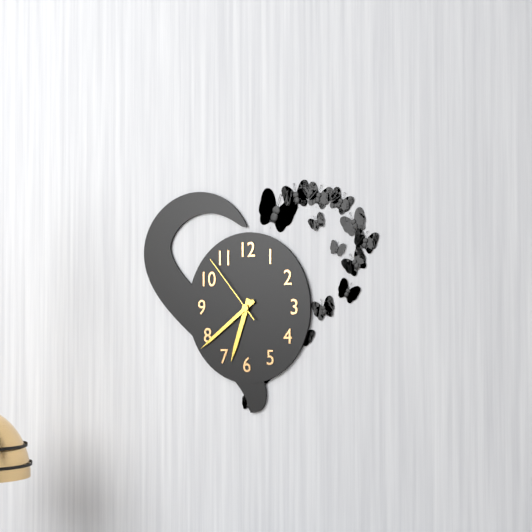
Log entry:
h=6 m=39 s=53
